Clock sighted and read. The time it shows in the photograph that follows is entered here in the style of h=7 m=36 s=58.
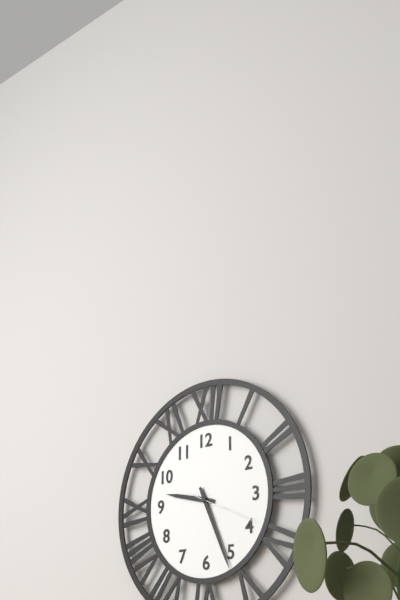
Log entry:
h=9 m=26 s=19
